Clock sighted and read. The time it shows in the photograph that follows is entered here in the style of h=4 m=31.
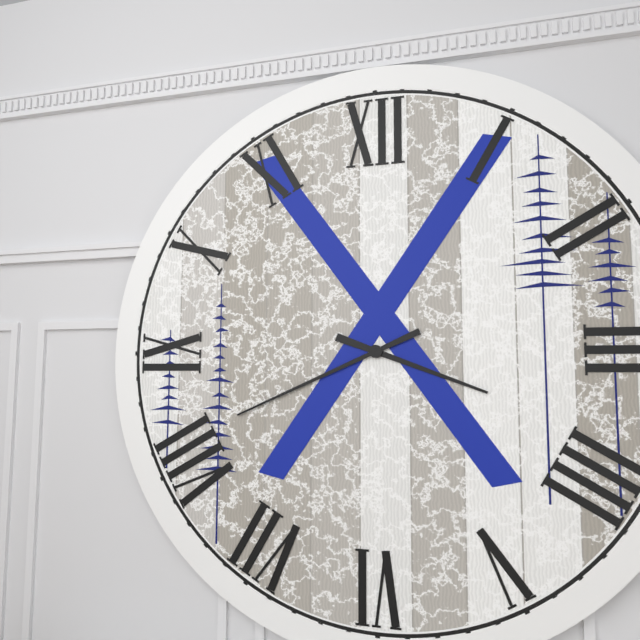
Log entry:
h=3 m=41
